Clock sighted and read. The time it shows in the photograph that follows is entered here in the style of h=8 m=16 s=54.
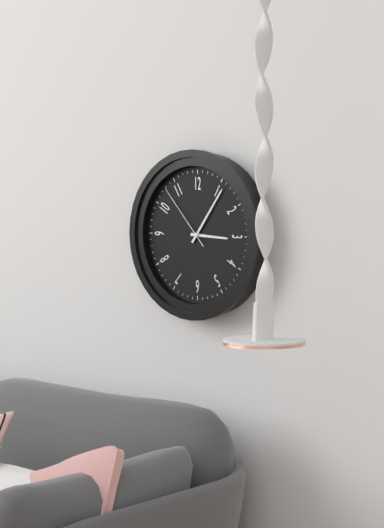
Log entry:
h=3 m=6 s=53
